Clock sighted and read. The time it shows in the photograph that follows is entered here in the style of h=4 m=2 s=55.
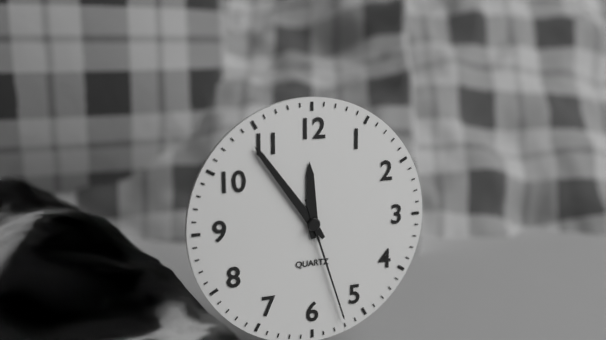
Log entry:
h=11 m=54 s=27
